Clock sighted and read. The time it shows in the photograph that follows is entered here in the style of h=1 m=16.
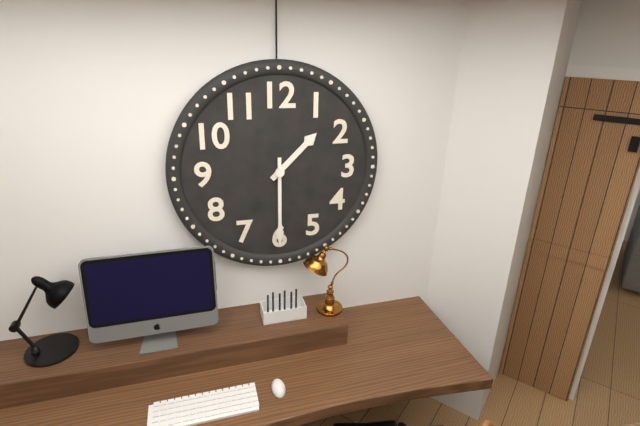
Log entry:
h=1 m=30
